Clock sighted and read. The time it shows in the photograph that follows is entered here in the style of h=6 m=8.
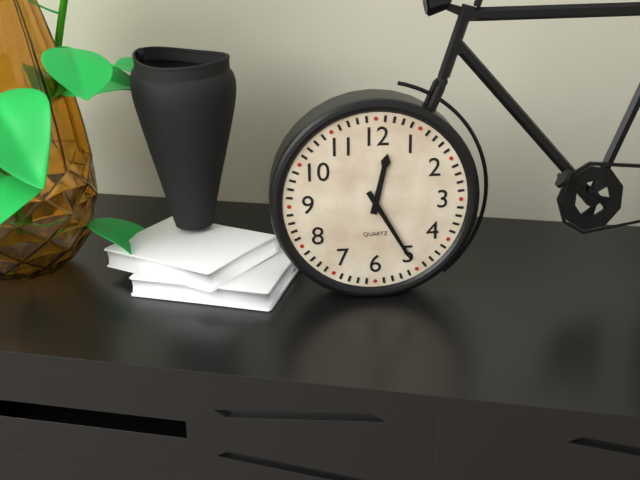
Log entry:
h=12 m=25
